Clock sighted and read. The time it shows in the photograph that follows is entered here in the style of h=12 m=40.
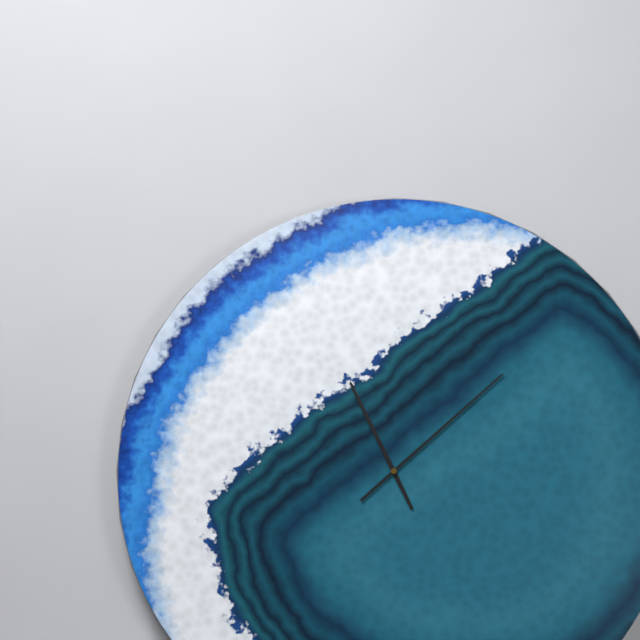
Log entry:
h=11 m=8
